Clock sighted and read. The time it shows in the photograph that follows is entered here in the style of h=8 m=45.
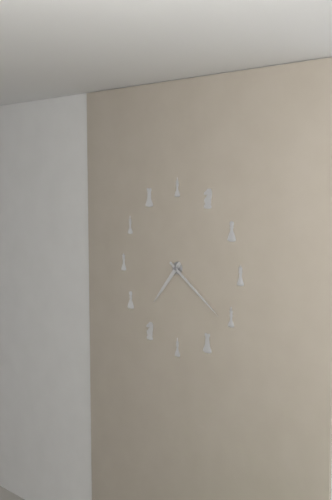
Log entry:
h=7 m=21
